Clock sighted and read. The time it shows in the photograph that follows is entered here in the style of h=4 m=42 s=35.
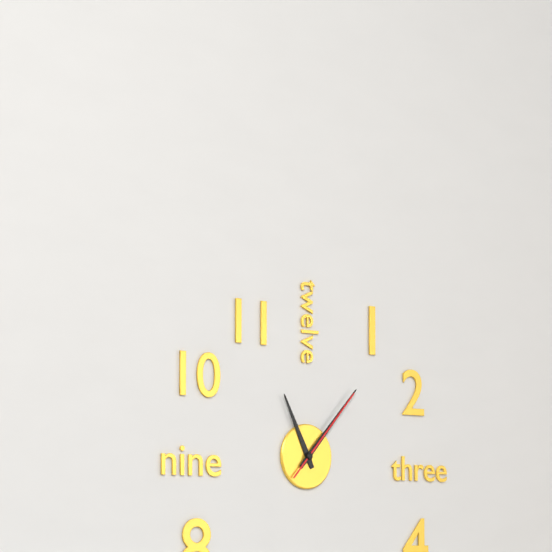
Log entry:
h=11 m=7 s=7
